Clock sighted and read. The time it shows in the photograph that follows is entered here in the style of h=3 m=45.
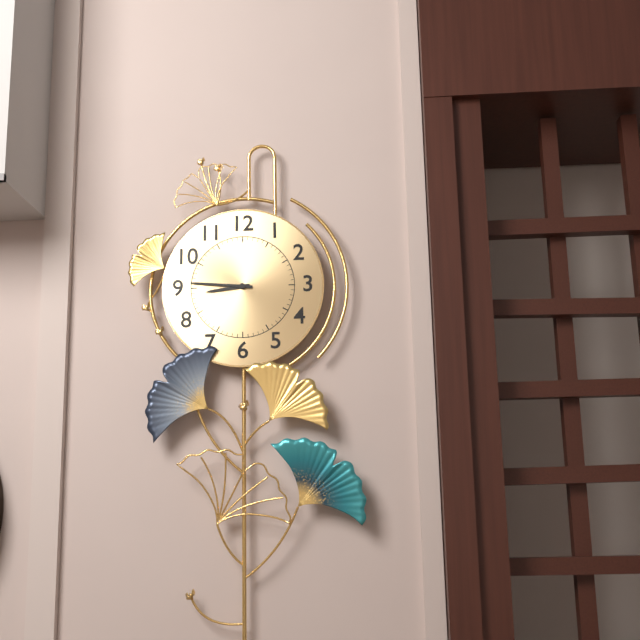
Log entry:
h=8 m=46
